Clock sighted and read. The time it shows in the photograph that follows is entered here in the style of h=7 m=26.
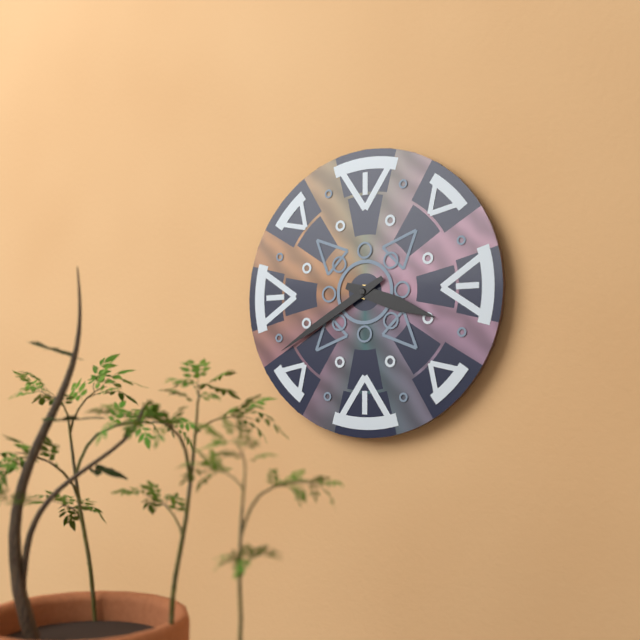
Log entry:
h=3 m=40
